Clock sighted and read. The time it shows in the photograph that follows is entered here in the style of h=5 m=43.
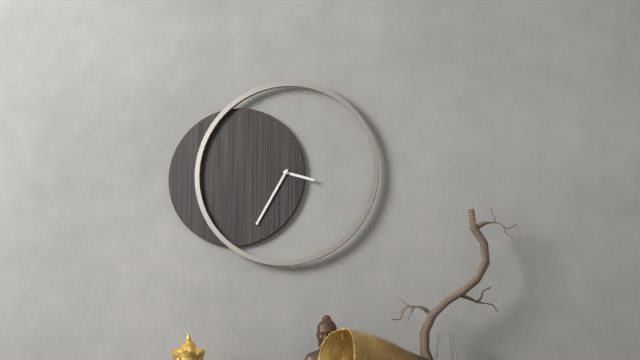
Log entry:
h=3 m=35
